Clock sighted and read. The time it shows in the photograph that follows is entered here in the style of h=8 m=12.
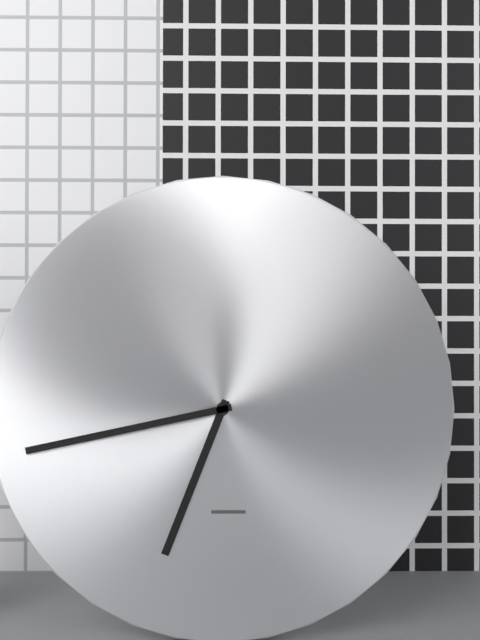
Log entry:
h=6 m=43
